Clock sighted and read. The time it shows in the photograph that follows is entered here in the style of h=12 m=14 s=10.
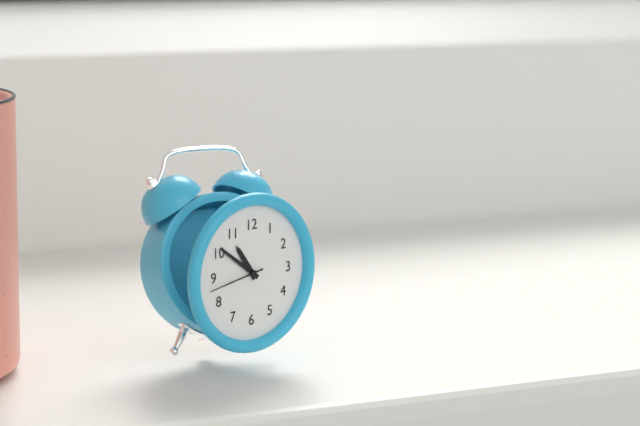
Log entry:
h=10 m=51 s=43
